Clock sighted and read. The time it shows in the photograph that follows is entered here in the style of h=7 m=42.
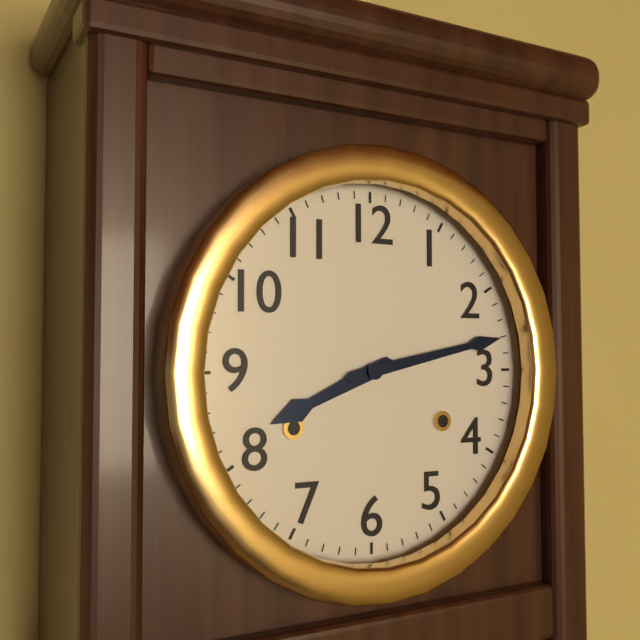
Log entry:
h=8 m=13
